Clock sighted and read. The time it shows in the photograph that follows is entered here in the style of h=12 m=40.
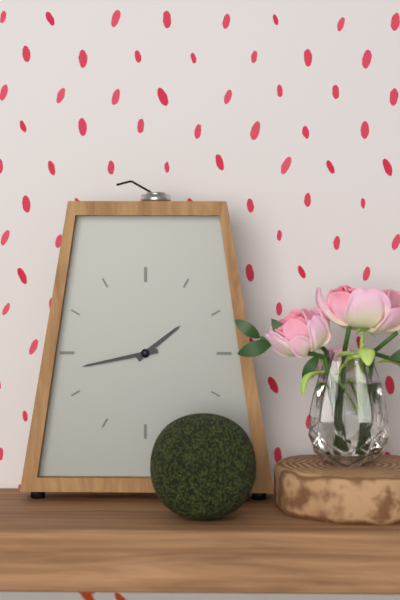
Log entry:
h=1 m=43
